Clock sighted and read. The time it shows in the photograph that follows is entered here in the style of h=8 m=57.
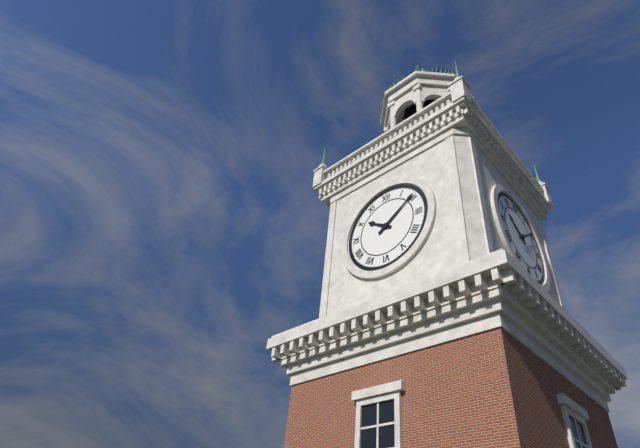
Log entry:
h=10 m=9
